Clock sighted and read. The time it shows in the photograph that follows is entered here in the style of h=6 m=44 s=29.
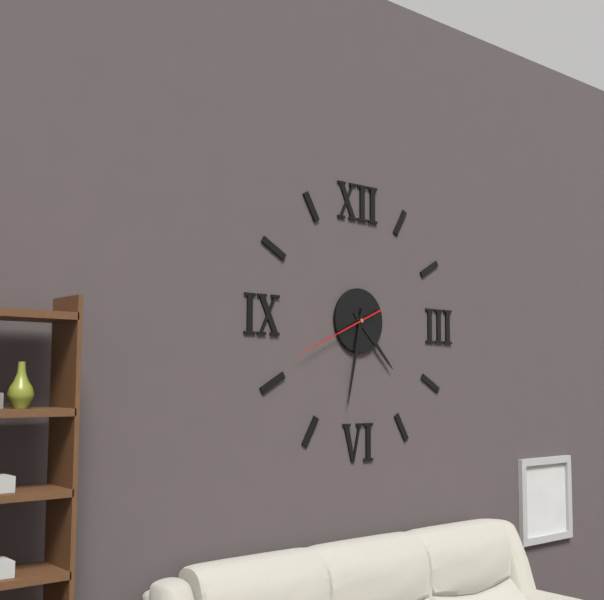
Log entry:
h=4 m=32 s=41
